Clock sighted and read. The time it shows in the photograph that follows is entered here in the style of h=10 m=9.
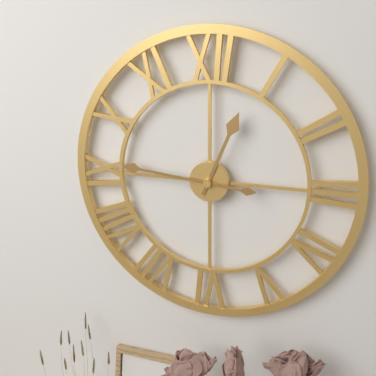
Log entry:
h=12 m=46
